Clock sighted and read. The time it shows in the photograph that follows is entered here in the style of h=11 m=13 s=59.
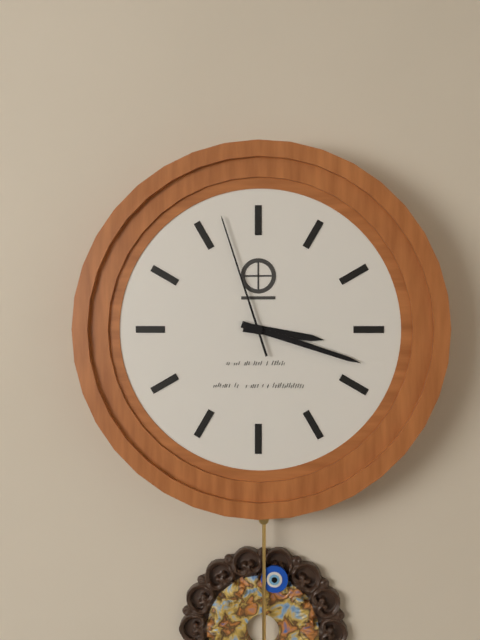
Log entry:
h=3 m=18 s=57
